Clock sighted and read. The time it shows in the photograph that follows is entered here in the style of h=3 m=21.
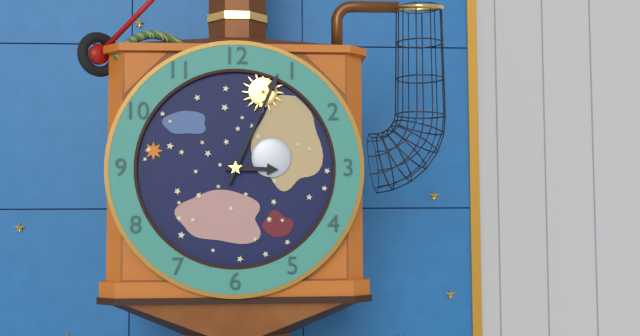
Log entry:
h=3 m=4
